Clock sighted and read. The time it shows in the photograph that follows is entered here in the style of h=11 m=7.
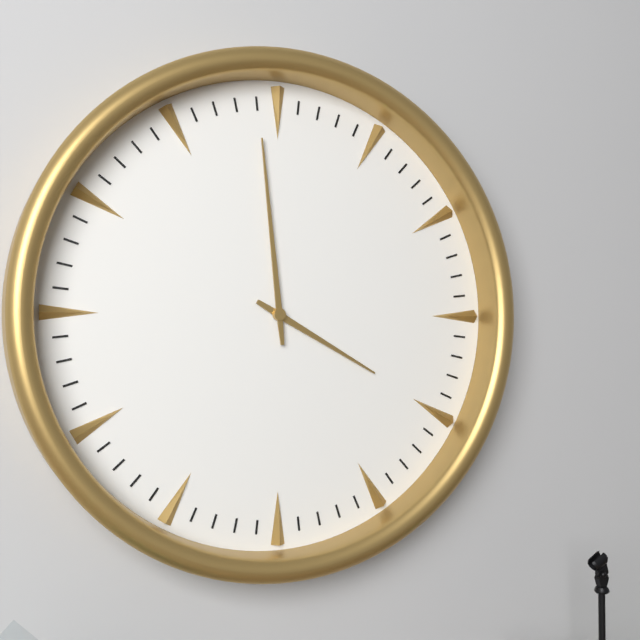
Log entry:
h=3 m=59
